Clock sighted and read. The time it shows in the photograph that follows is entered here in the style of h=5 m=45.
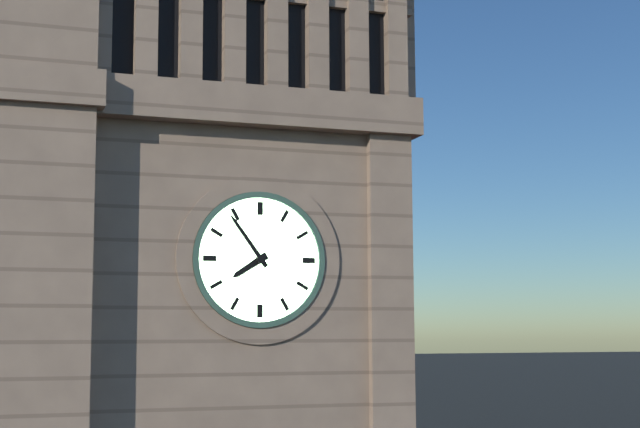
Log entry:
h=7 m=54
